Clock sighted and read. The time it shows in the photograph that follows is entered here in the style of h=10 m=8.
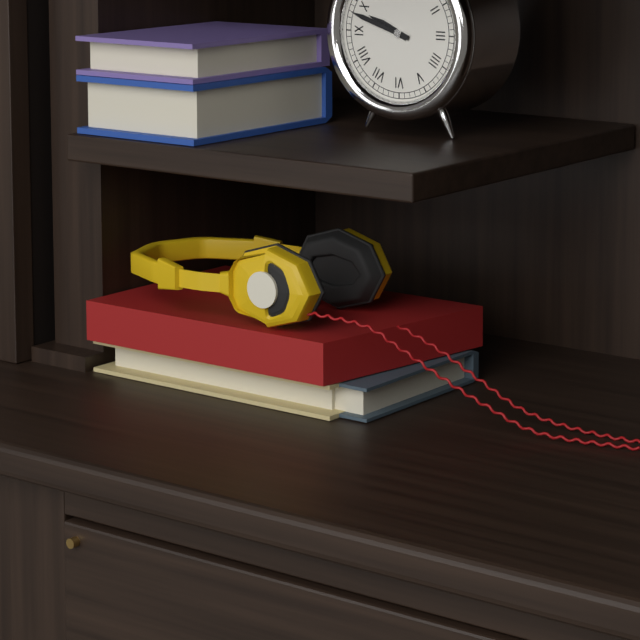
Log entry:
h=9 m=48
